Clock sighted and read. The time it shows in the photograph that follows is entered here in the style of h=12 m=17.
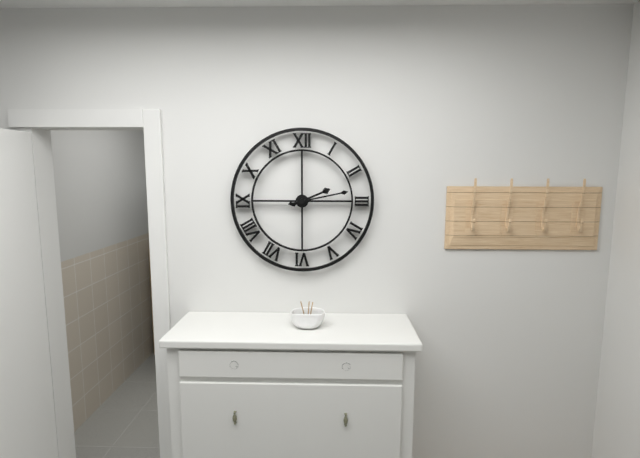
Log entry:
h=2 m=13
